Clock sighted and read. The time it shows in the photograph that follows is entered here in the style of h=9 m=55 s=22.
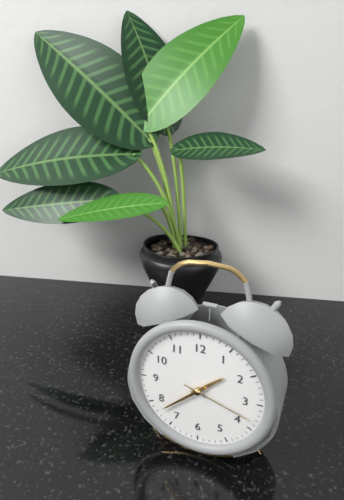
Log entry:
h=1 m=38 s=18
